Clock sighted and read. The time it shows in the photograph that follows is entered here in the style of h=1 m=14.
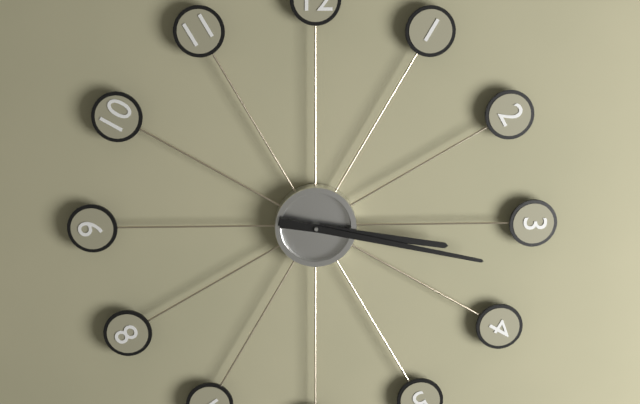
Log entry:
h=3 m=17
